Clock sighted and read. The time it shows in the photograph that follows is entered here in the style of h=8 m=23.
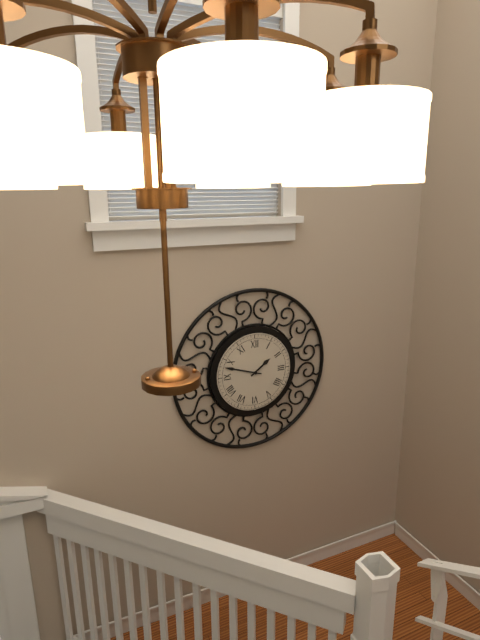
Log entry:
h=1 m=48
